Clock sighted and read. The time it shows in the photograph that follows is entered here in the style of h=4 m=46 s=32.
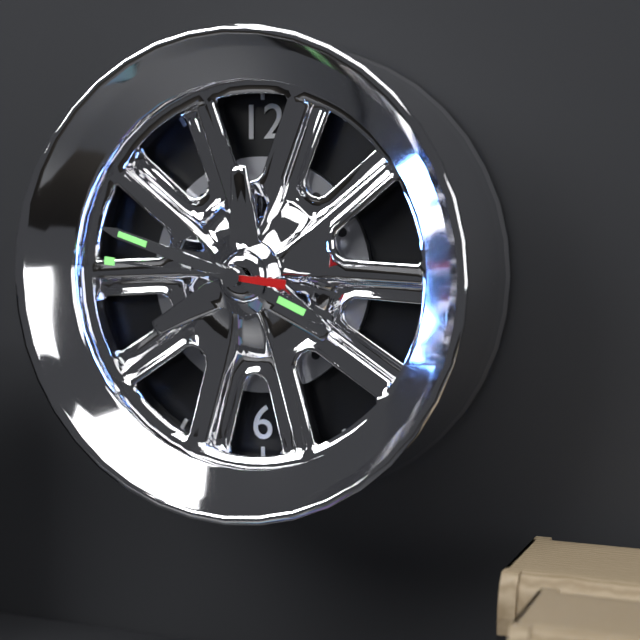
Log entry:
h=3 m=48 s=46
